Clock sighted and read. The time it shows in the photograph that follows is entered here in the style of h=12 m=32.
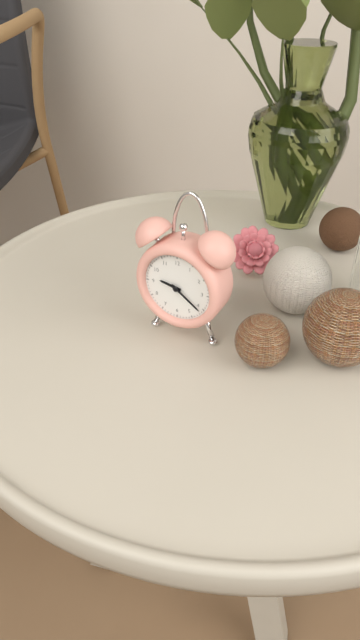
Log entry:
h=9 m=21
